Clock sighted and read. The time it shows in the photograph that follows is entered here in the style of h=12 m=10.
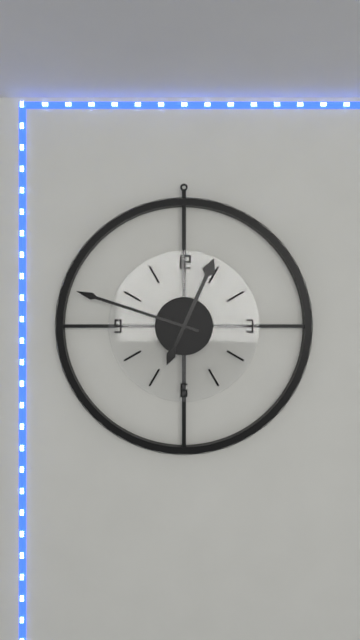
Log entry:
h=12 m=48
